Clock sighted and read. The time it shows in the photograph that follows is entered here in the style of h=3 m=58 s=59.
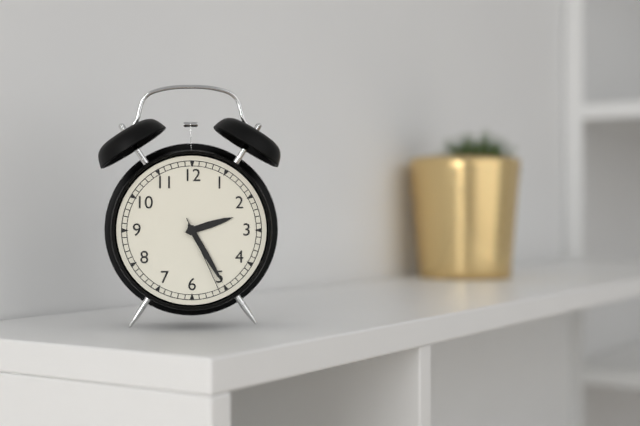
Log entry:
h=2 m=25 s=26
